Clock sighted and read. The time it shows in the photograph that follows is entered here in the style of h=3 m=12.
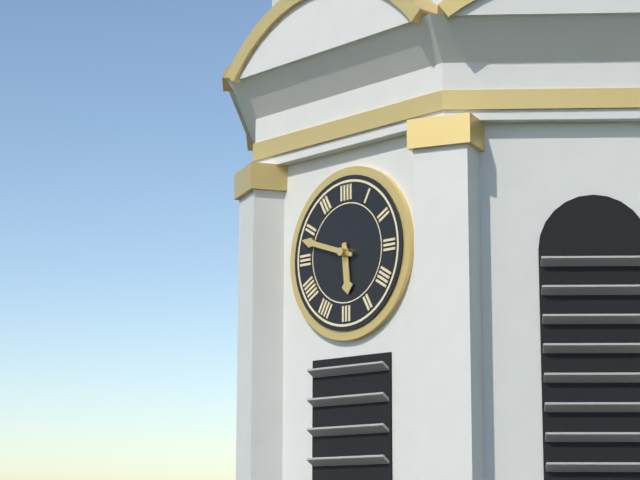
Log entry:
h=5 m=48
